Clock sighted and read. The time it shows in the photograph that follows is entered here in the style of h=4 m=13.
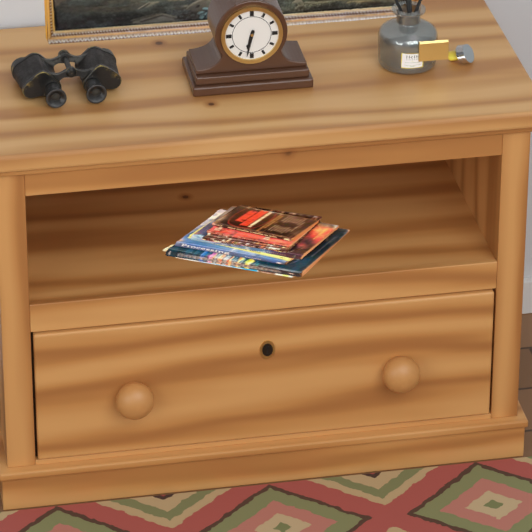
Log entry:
h=6 m=32
